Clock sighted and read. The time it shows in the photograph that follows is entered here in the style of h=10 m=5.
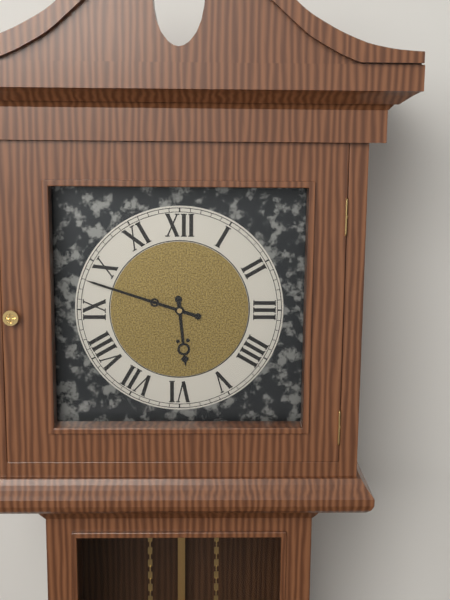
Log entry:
h=5 m=48
